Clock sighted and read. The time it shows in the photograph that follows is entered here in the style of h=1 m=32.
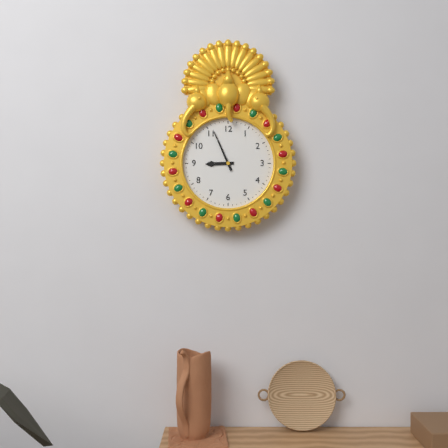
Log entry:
h=8 m=56
